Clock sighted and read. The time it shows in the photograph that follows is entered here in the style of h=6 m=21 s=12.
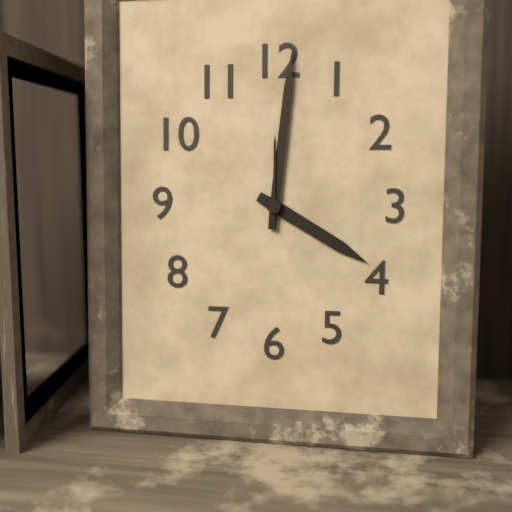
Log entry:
h=4 m=1 s=0
